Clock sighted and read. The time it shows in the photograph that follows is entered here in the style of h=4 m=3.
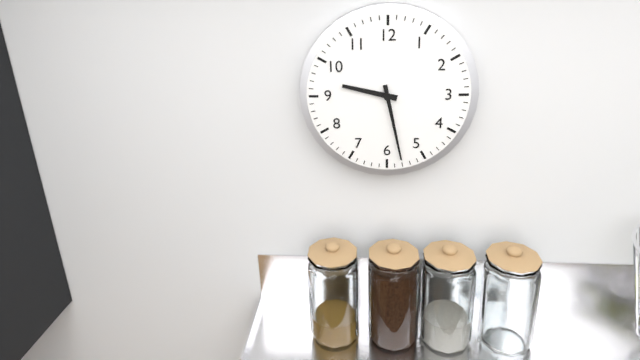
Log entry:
h=9 m=28
